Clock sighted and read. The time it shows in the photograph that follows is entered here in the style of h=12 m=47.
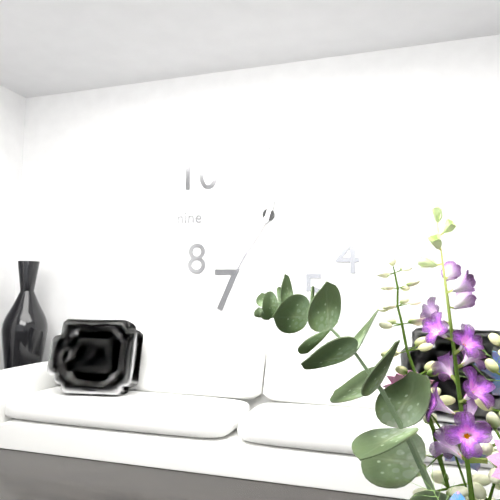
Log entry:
h=12 m=35
